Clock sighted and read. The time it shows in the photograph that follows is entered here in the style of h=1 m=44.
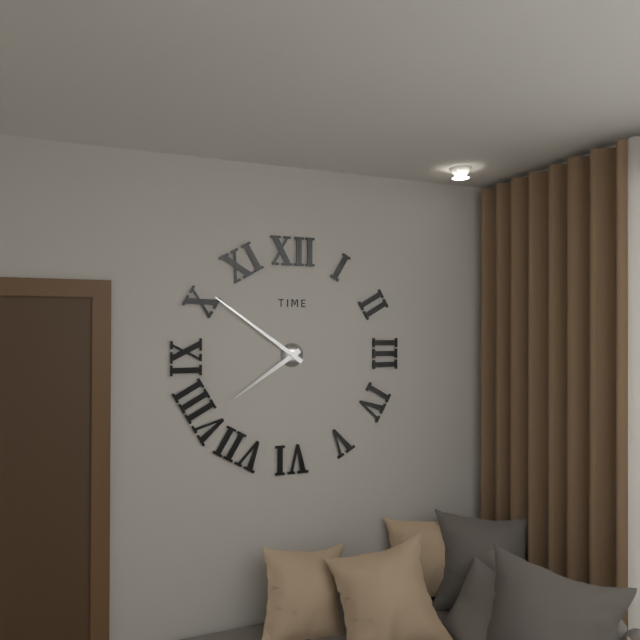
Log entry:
h=7 m=51
